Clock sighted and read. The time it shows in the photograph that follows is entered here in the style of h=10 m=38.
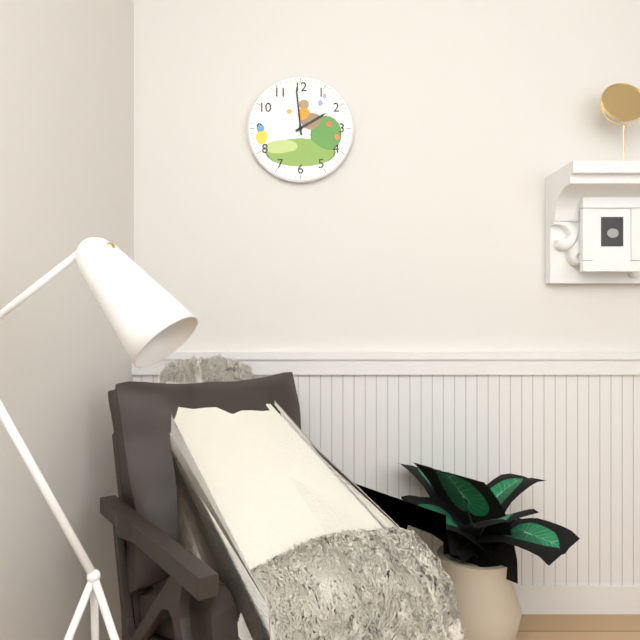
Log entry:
h=1 m=59
